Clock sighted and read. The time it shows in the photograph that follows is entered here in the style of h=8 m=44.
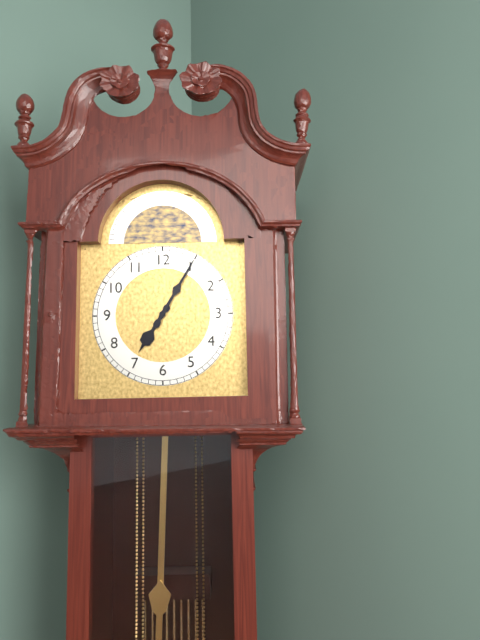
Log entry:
h=7 m=5
